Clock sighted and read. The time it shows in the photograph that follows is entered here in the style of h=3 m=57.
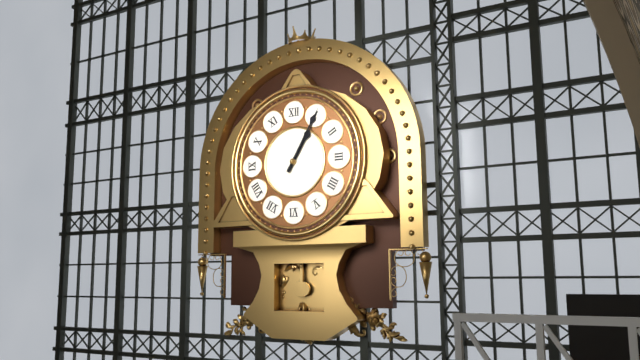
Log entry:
h=1 m=5
